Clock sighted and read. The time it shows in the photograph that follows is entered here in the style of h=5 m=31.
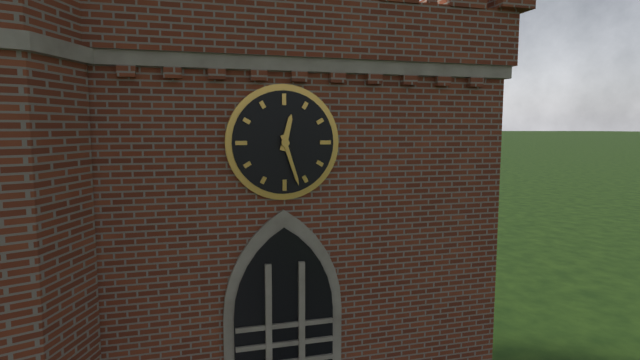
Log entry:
h=12 m=27
